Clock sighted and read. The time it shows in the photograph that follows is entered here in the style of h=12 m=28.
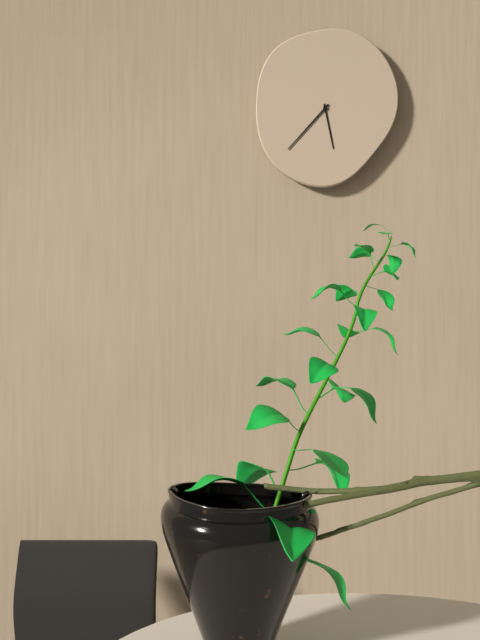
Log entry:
h=5 m=37
